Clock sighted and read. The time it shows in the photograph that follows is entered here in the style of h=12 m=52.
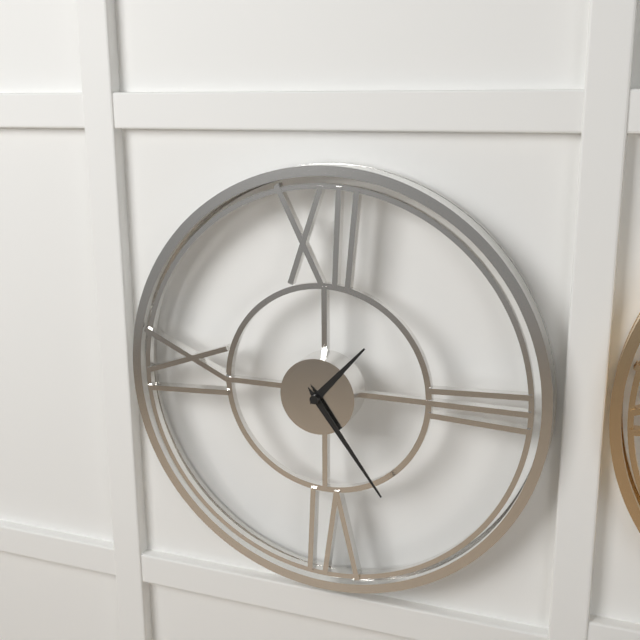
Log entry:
h=1 m=24
